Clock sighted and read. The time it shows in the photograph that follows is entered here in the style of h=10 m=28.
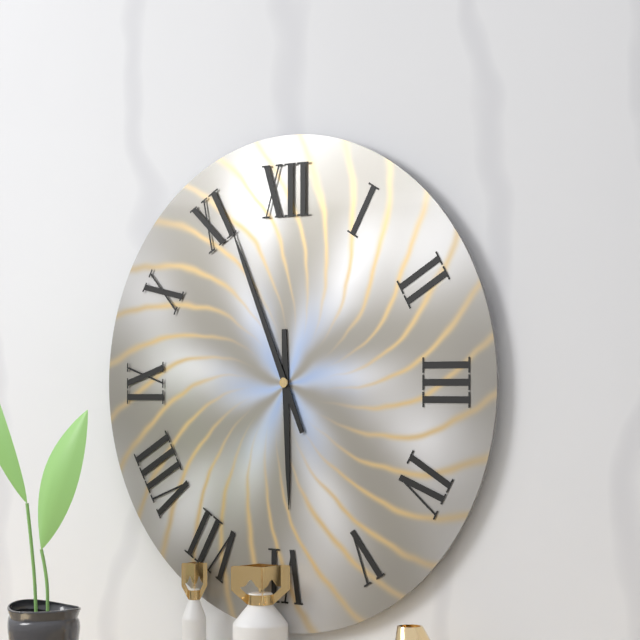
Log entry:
h=5 m=56
